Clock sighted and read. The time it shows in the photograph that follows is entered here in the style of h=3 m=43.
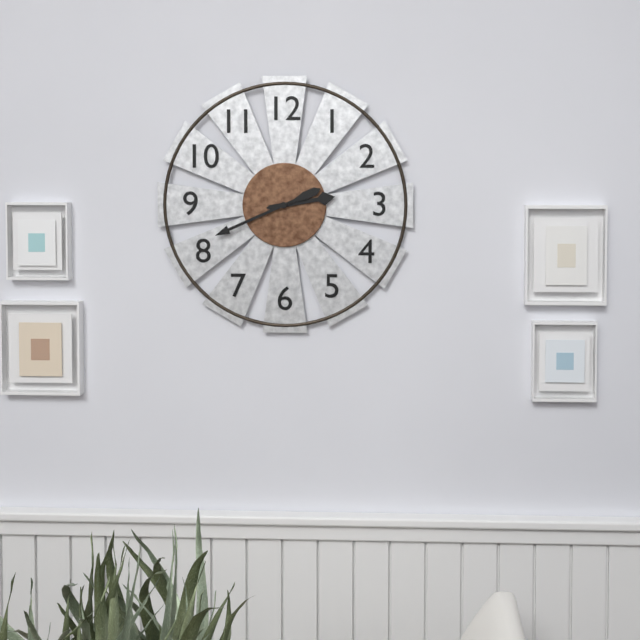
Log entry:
h=2 m=41
